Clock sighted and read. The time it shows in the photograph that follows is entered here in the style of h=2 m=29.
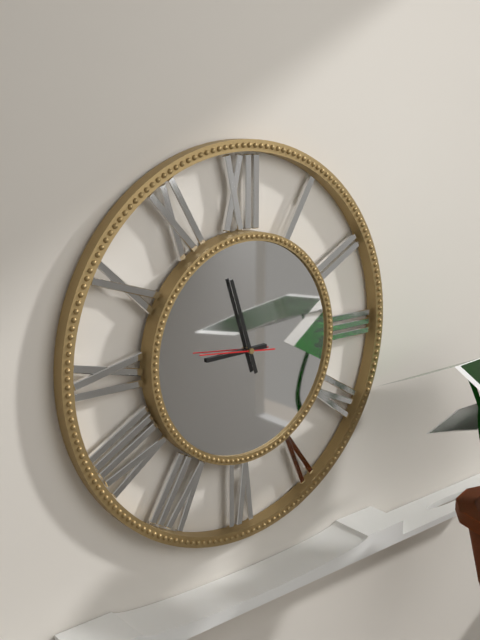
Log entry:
h=8 m=57
